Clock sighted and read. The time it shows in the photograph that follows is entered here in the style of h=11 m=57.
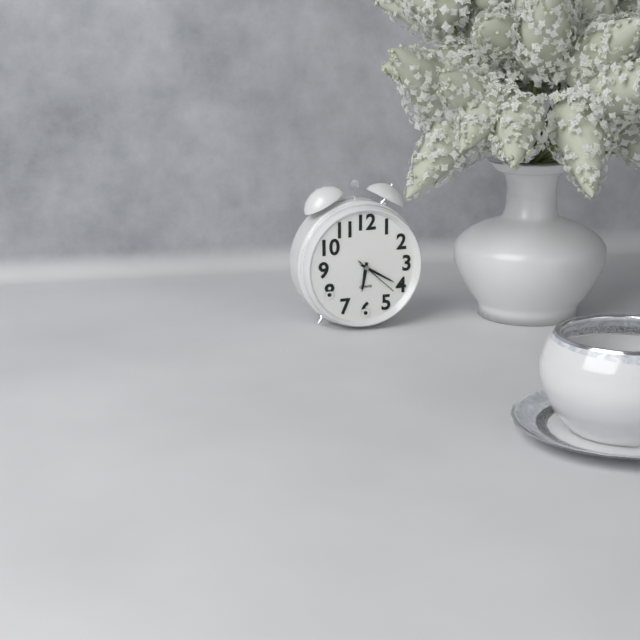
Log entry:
h=6 m=20
